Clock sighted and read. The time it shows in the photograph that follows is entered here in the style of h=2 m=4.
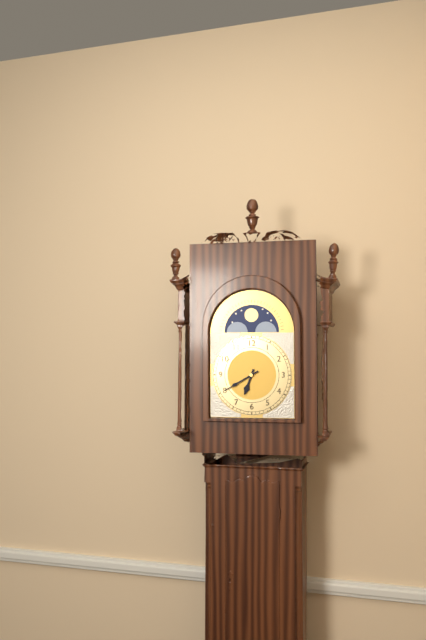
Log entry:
h=6 m=40
